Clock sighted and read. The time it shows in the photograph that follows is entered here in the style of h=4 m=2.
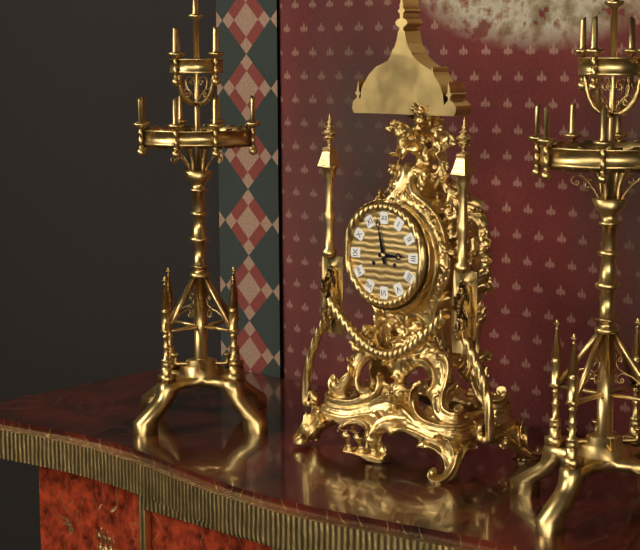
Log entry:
h=2 m=58
